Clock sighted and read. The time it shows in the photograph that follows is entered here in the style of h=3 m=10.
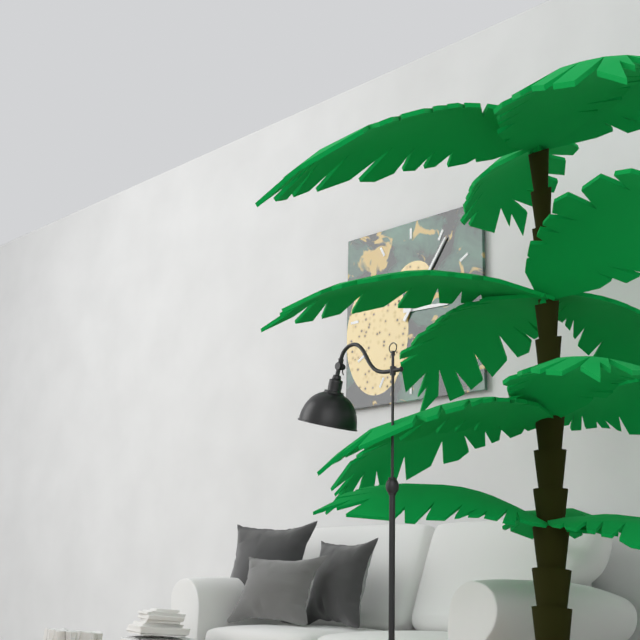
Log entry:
h=3 m=6
